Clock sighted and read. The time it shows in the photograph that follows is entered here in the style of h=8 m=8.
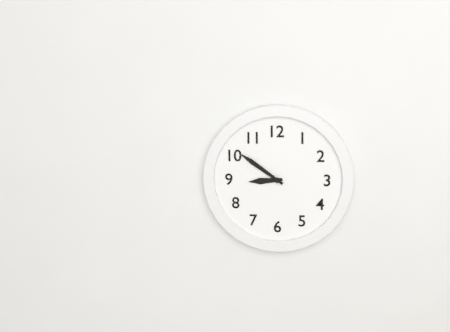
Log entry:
h=8 m=51
